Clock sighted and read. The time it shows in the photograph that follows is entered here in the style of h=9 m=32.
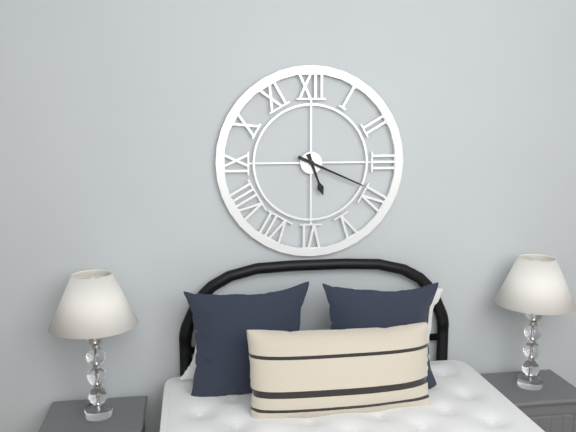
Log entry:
h=5 m=19
